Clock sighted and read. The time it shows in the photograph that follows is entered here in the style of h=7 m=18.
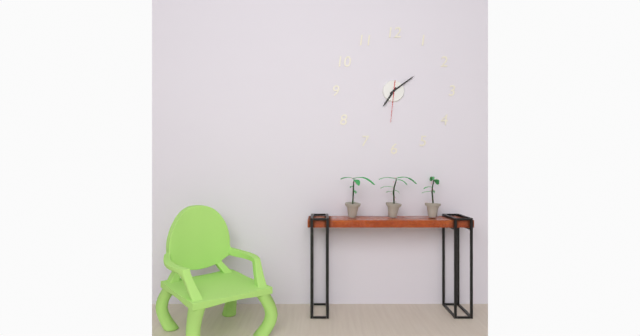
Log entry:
h=7 m=9
